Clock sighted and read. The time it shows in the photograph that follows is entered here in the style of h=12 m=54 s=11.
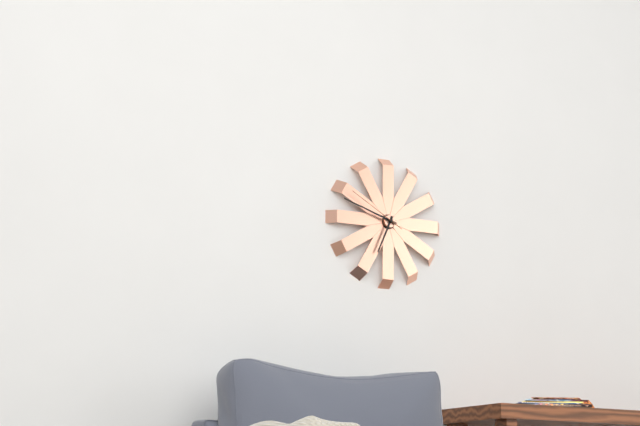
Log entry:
h=6 m=48 s=50
